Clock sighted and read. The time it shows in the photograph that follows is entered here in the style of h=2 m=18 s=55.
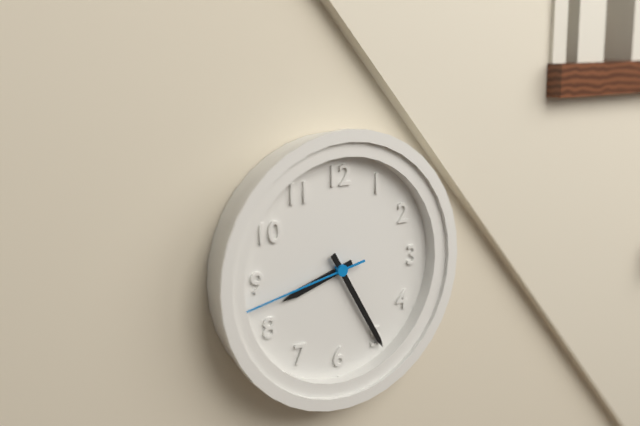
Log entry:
h=8 m=25 s=43
